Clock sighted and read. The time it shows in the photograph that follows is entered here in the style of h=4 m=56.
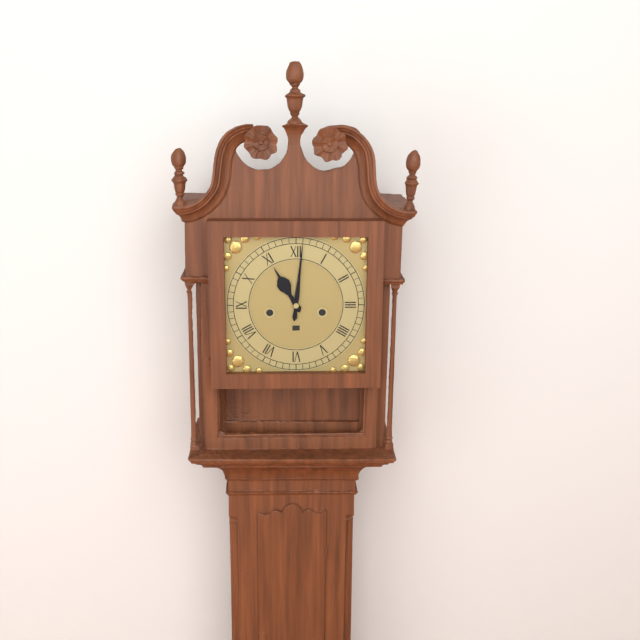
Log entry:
h=11 m=1
